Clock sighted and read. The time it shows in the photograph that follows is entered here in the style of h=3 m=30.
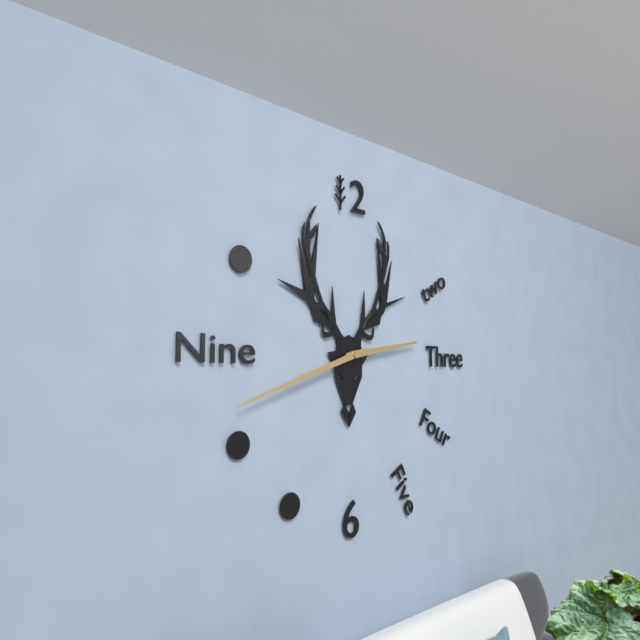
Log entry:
h=2 m=42
